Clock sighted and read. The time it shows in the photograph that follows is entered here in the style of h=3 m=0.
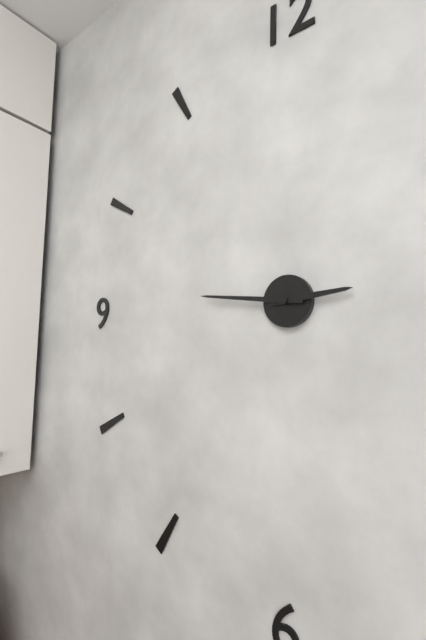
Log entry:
h=2 m=46
